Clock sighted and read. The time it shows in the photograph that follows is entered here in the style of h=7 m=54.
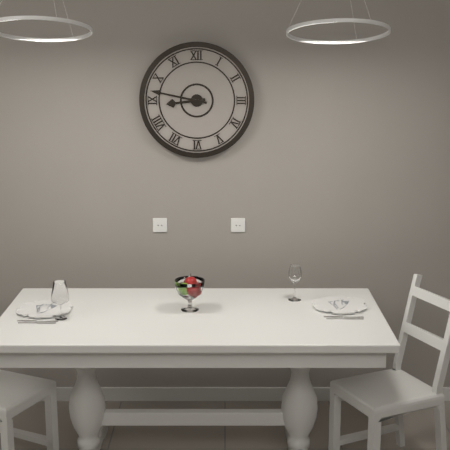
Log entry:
h=8 m=47
